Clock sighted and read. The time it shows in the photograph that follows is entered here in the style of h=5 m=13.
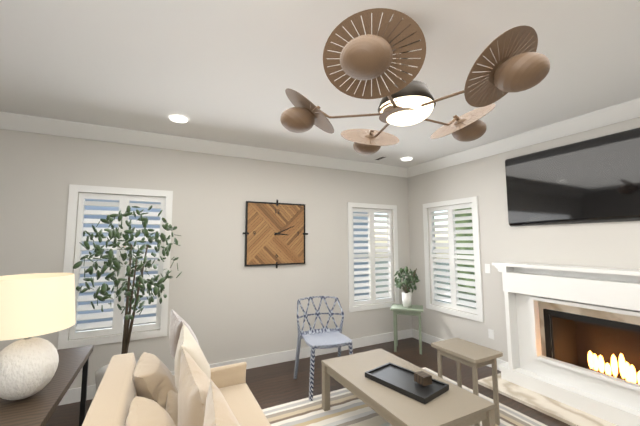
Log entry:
h=3 m=11
